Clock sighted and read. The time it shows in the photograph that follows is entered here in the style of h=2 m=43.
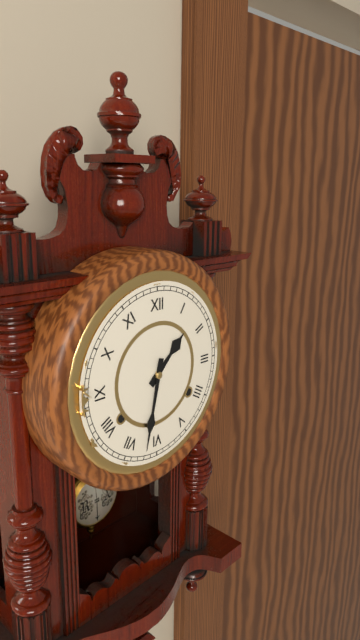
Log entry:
h=1 m=32
